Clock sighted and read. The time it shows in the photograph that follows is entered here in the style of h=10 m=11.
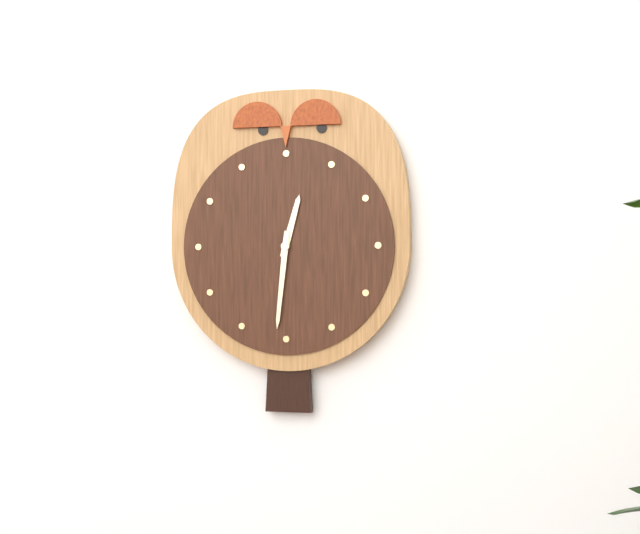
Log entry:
h=12 m=31
